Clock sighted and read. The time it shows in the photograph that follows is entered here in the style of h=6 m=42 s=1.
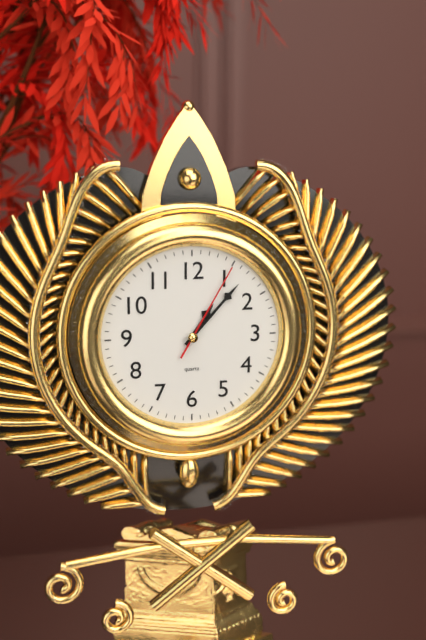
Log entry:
h=1 m=7 s=5
